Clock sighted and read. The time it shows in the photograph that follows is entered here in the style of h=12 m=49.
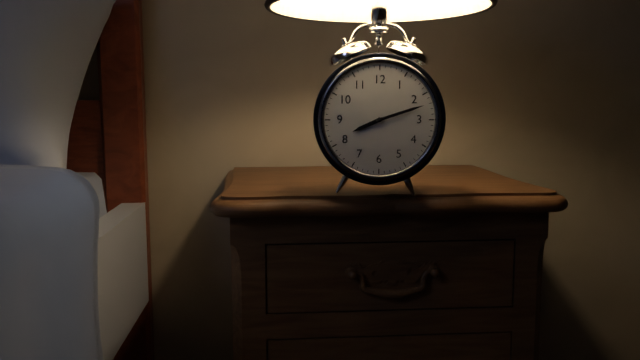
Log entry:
h=8 m=12
